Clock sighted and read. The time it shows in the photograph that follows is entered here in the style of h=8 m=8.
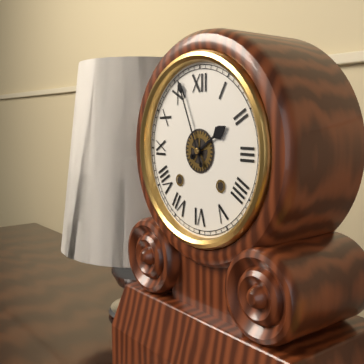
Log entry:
h=1 m=56
